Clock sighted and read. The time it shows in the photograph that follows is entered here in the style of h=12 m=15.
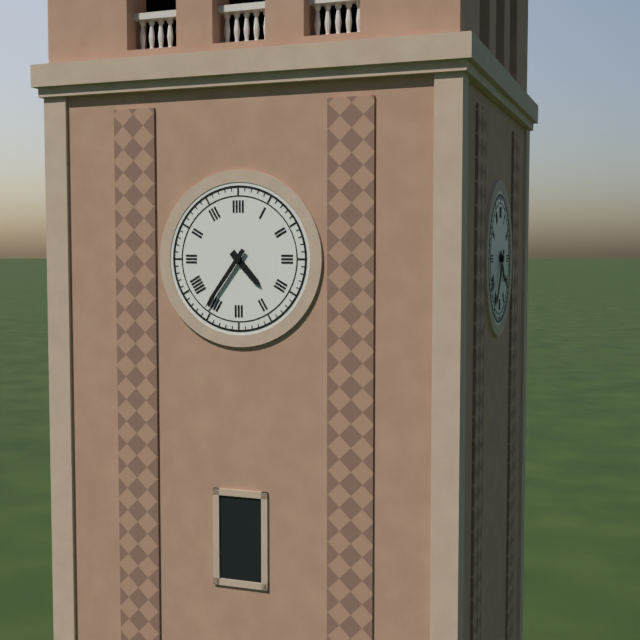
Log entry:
h=4 m=36
